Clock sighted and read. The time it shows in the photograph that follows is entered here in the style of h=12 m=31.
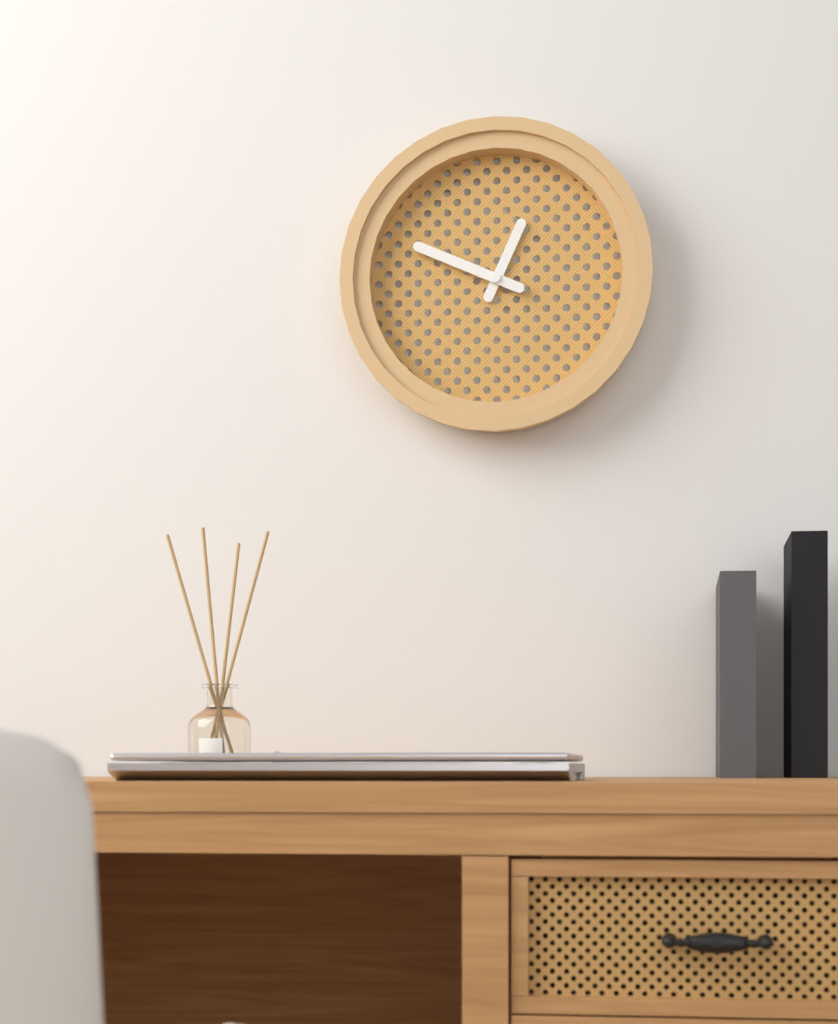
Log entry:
h=12 m=49
